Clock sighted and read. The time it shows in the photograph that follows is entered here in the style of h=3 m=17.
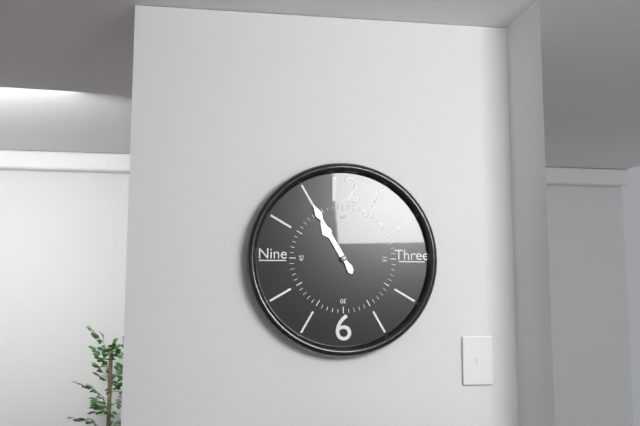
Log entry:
h=10 m=55
